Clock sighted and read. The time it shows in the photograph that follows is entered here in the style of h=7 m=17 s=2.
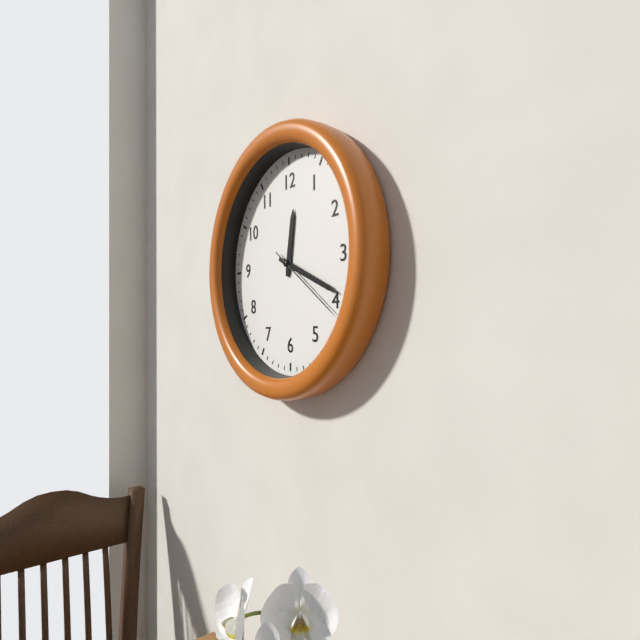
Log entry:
h=12 m=19 s=21
